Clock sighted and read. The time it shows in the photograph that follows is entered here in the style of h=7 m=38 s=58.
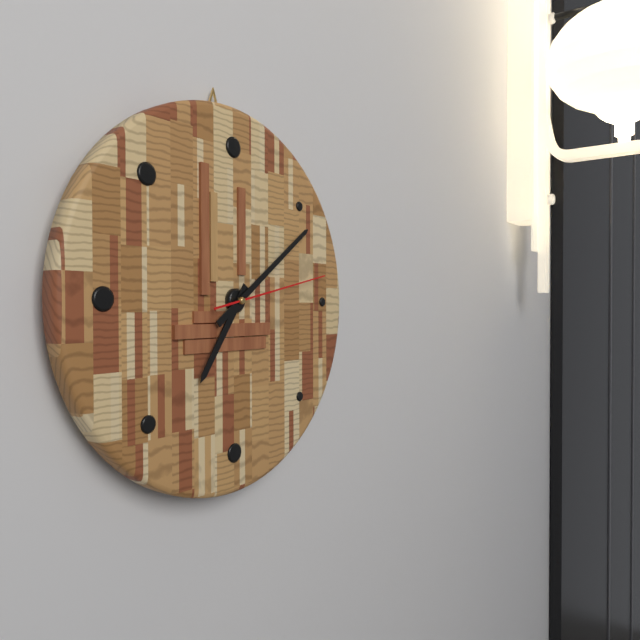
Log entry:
h=7 m=9 s=13
